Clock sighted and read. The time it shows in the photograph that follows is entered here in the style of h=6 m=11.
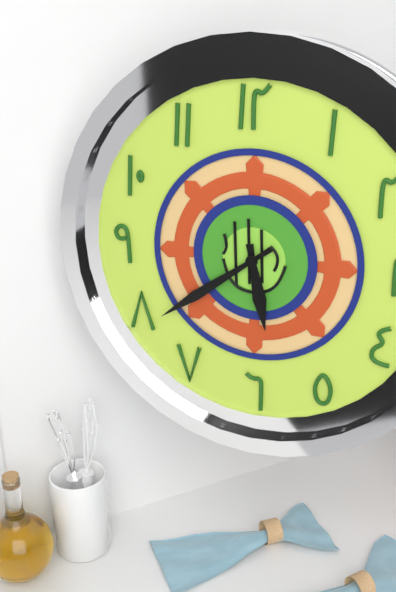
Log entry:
h=5 m=39
